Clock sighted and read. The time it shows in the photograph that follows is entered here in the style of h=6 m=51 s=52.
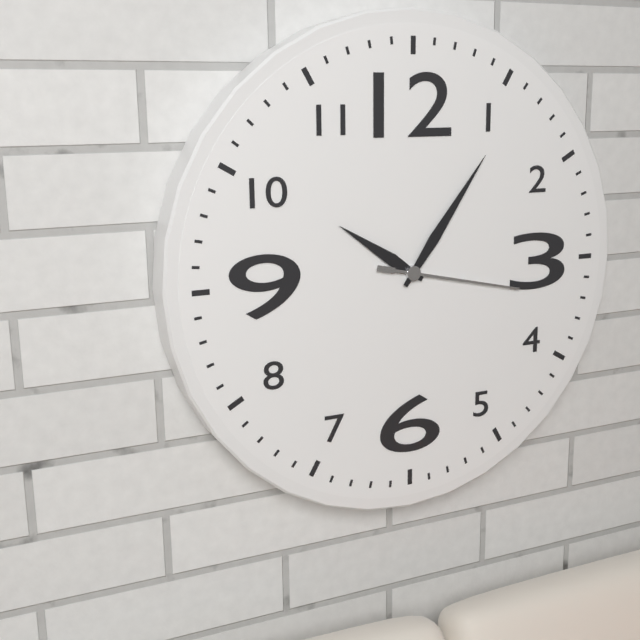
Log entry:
h=10 m=6 s=17
